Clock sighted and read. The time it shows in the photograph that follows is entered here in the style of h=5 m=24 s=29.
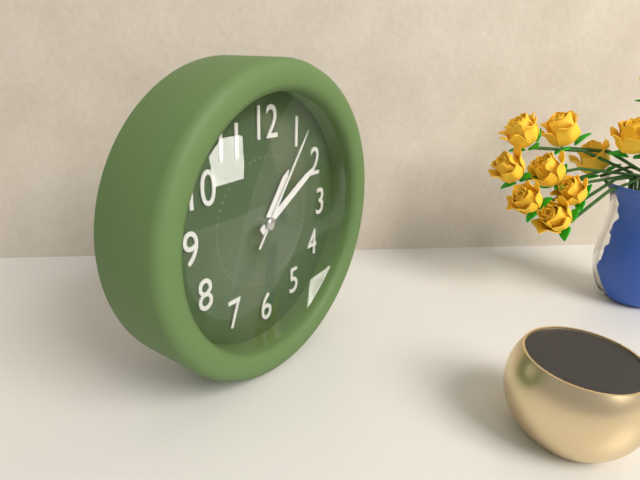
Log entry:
h=1 m=10 s=6
